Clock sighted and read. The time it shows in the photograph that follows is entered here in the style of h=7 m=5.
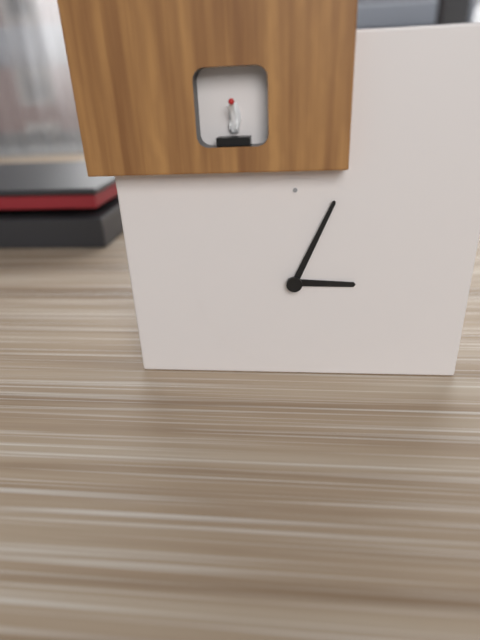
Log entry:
h=3 m=4
